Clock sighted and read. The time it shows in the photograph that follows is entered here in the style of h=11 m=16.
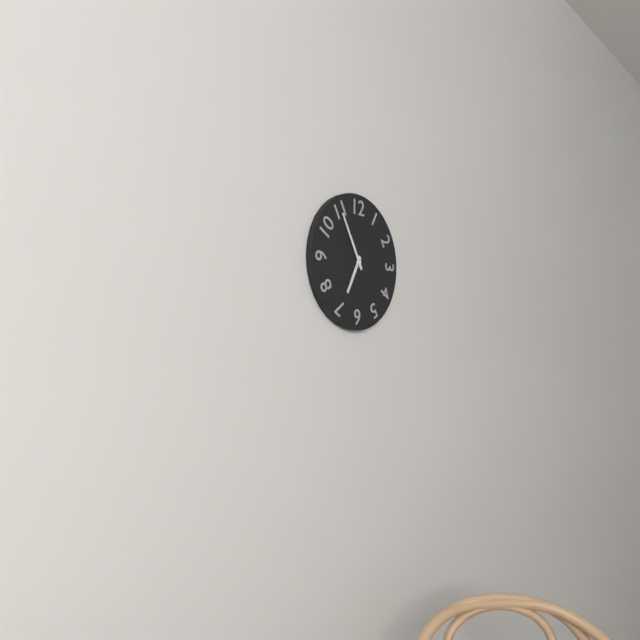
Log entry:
h=6 m=55
